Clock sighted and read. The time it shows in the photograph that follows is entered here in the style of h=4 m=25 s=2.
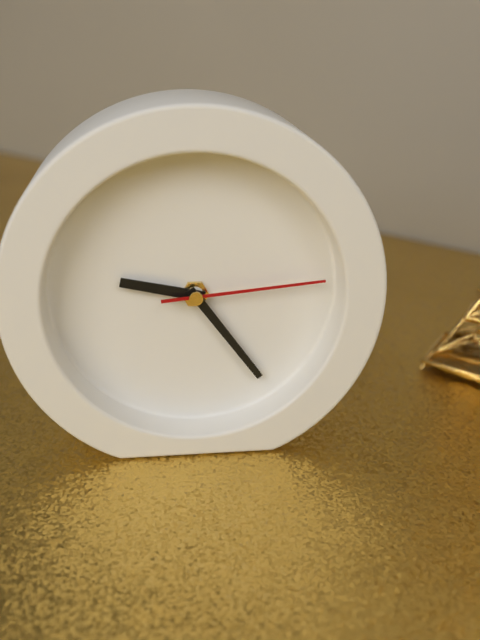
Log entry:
h=9 m=24 s=14
